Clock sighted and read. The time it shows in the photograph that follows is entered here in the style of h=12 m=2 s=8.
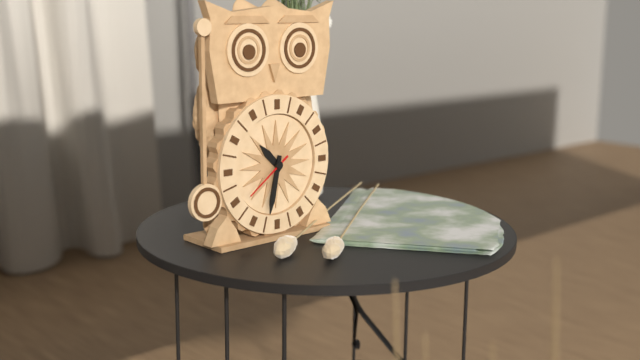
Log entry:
h=10 m=32 s=39
